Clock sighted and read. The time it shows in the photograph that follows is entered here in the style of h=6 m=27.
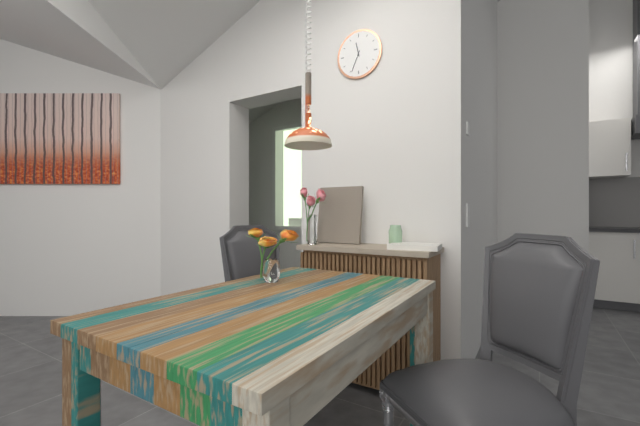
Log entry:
h=11 m=34
